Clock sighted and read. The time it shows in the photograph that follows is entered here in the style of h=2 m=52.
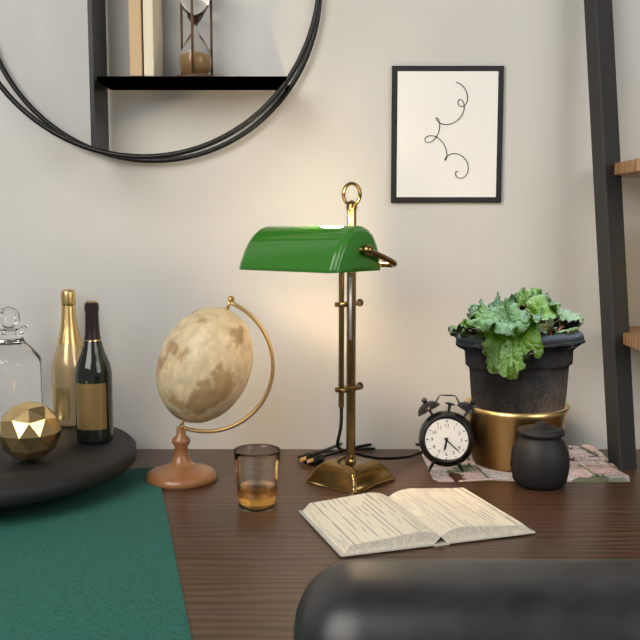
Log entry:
h=6 m=22
